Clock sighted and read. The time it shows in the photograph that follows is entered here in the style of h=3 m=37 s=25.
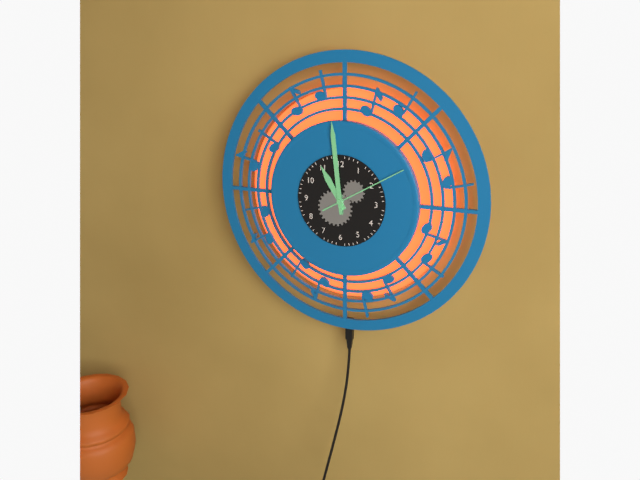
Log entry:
h=10 m=59 s=10
